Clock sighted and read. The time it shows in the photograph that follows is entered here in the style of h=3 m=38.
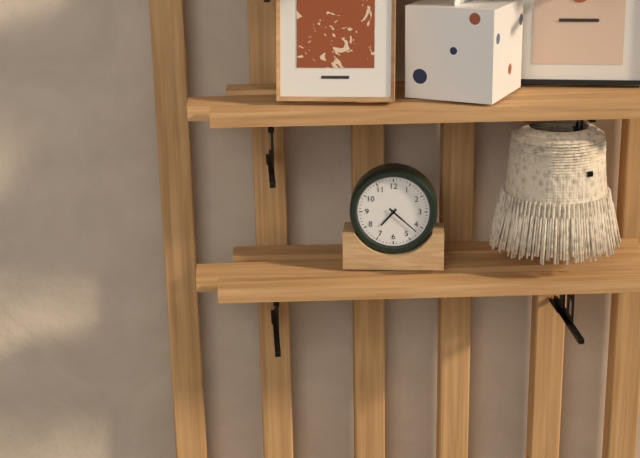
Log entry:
h=7 m=22
